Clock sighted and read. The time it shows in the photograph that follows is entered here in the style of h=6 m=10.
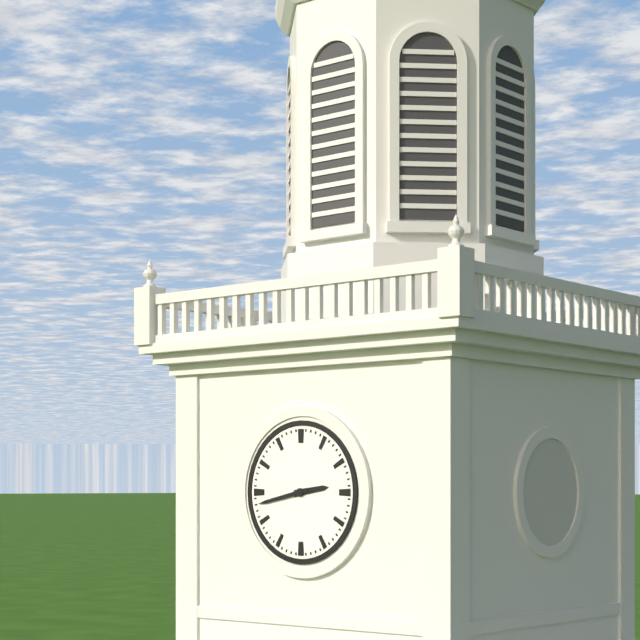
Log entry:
h=2 m=43
